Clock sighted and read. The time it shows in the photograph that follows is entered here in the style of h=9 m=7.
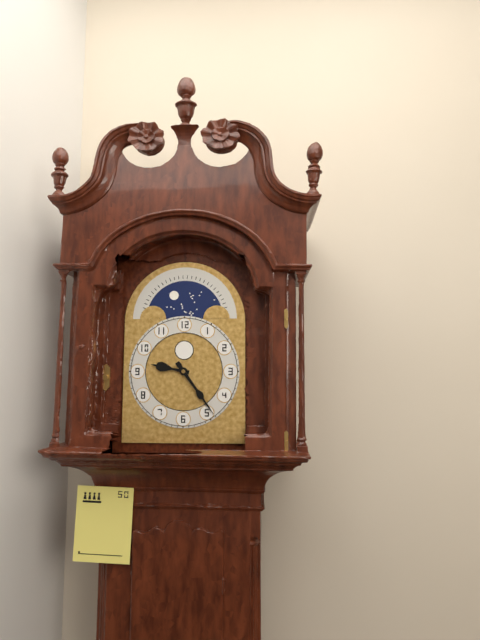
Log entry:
h=9 m=24
